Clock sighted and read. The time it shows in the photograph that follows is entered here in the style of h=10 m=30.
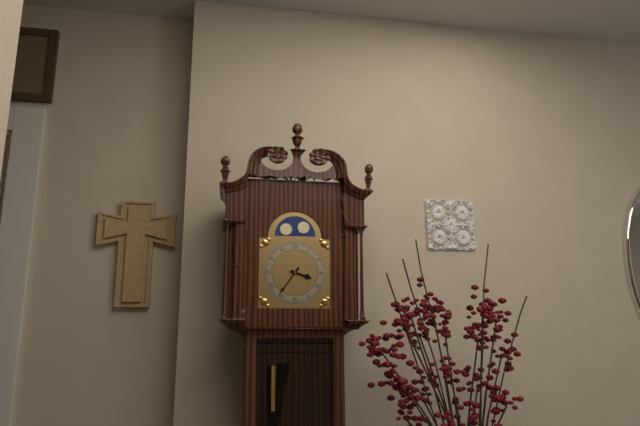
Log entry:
h=3 m=36
